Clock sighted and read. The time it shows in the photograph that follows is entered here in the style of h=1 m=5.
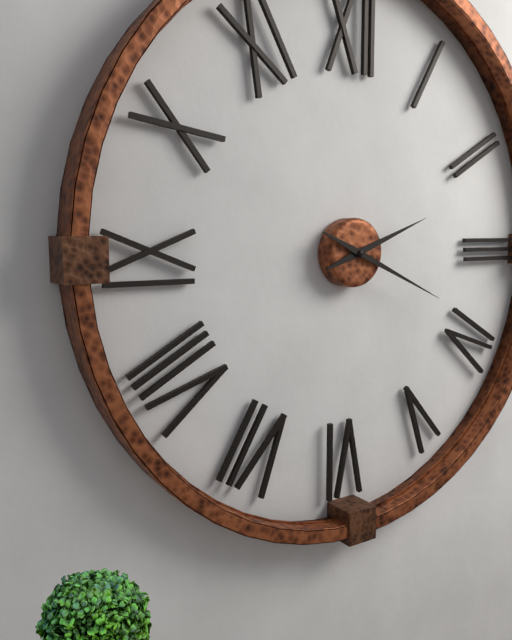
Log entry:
h=2 m=19
